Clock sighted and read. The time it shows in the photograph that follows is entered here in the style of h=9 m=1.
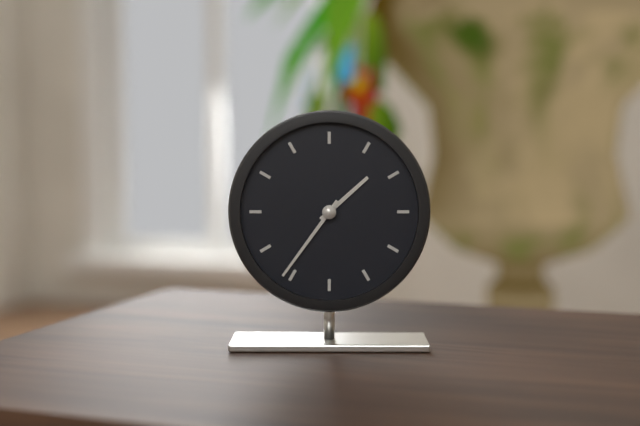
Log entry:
h=1 m=36
